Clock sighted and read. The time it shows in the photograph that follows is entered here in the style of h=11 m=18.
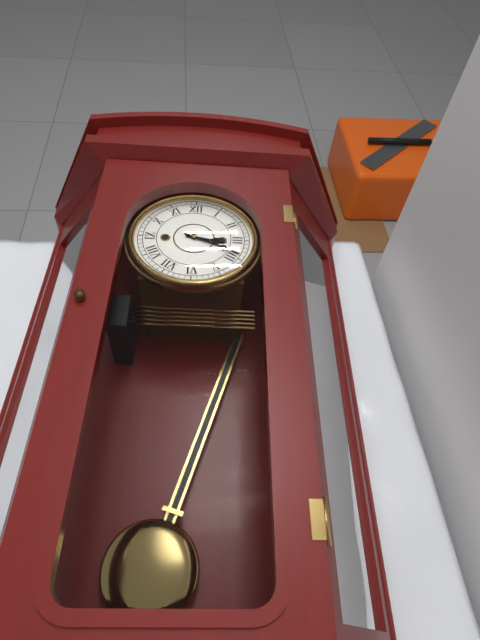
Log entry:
h=3 m=19
